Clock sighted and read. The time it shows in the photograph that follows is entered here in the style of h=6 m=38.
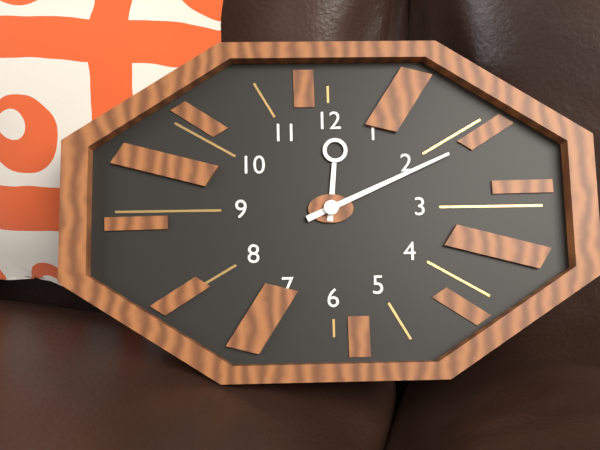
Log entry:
h=12 m=11
